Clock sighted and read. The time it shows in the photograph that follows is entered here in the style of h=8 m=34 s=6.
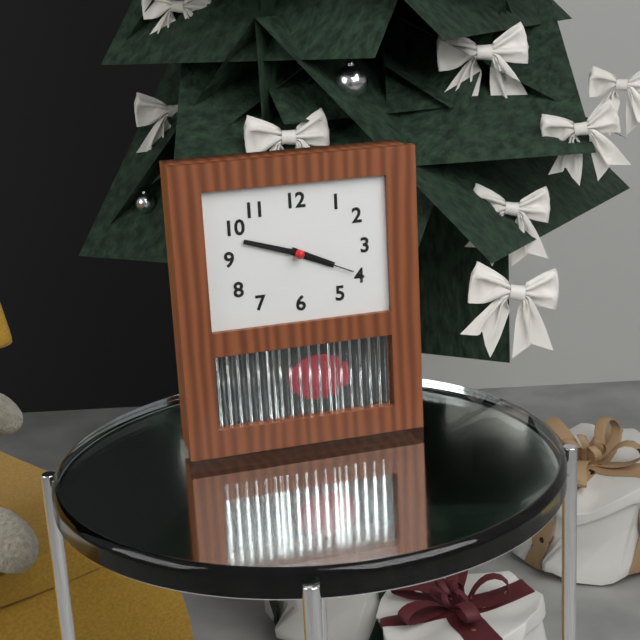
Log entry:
h=3 m=48 s=19
